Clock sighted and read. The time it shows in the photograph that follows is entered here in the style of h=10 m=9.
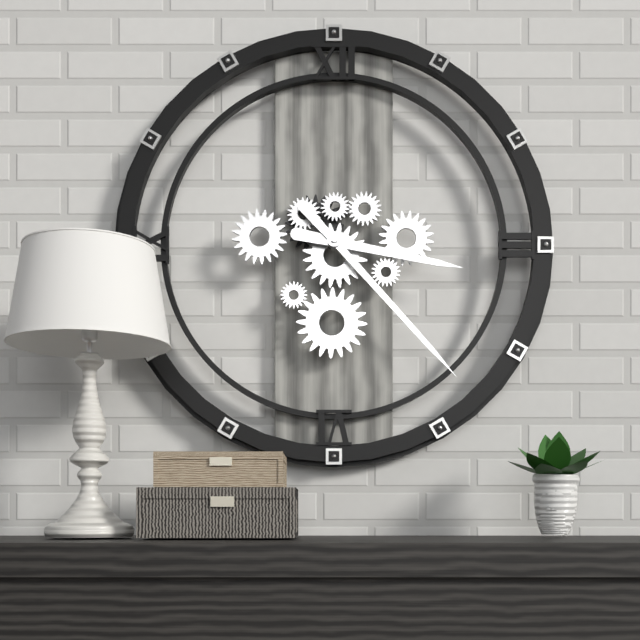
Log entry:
h=3 m=23
